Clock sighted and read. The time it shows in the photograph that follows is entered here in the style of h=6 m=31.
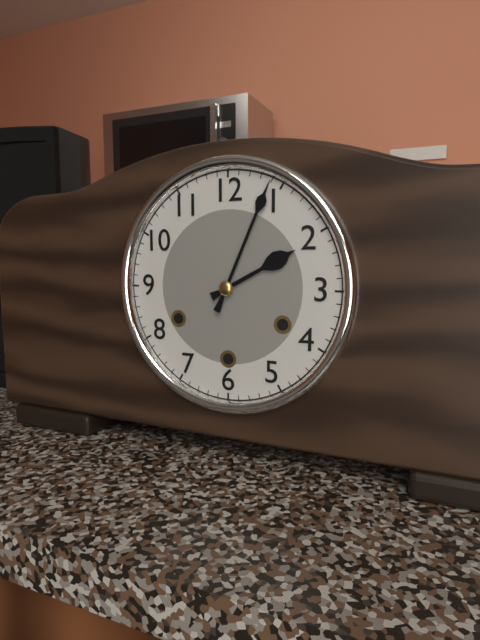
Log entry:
h=2 m=4
